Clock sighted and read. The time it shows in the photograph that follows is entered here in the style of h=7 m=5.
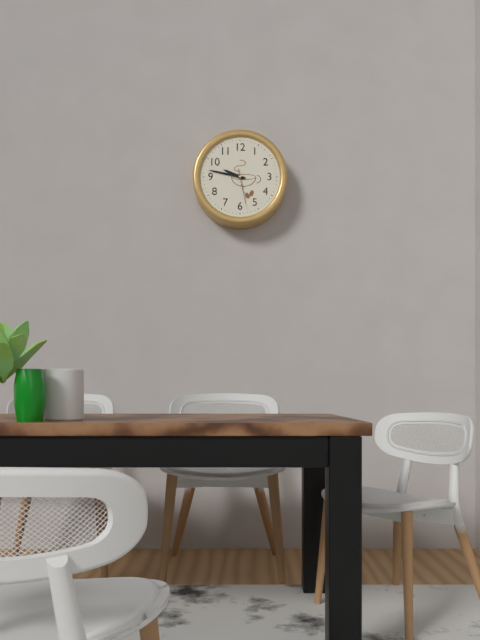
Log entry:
h=9 m=47
